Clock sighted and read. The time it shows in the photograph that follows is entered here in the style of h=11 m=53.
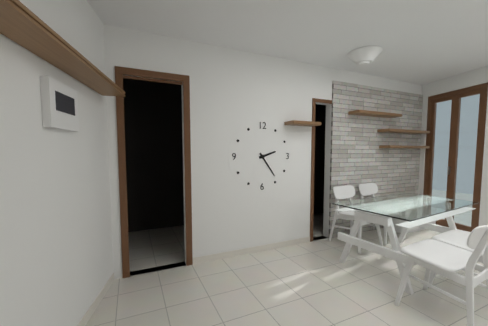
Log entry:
h=2 m=24
